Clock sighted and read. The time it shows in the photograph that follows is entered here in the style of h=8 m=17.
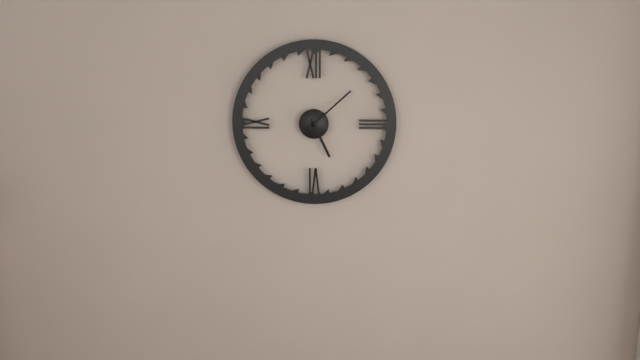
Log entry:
h=5 m=8
